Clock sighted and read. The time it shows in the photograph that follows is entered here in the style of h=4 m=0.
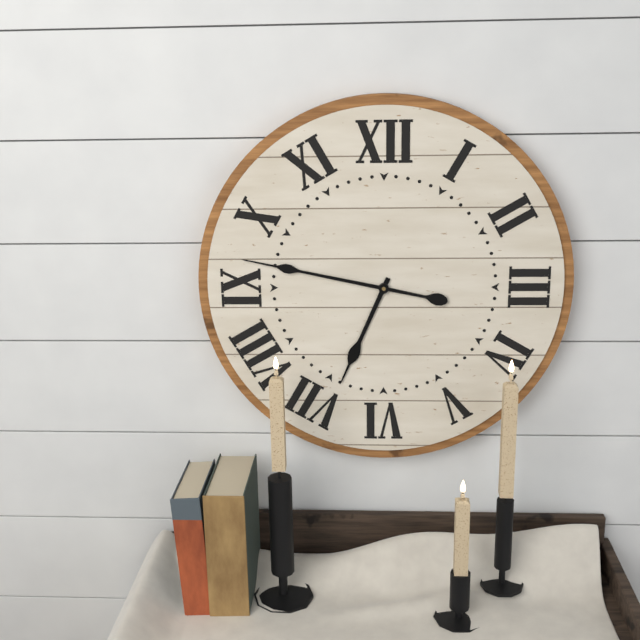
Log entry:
h=6 m=47
